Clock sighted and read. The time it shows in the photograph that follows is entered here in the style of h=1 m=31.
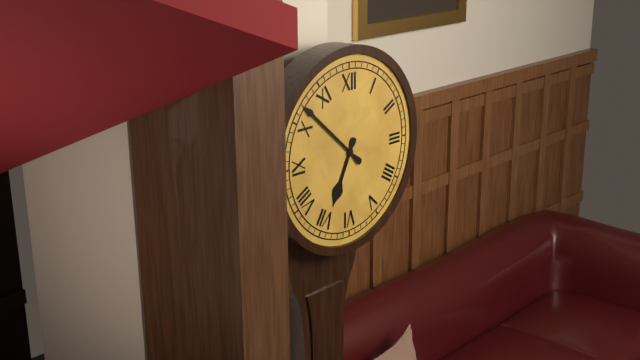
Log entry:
h=6 m=52
